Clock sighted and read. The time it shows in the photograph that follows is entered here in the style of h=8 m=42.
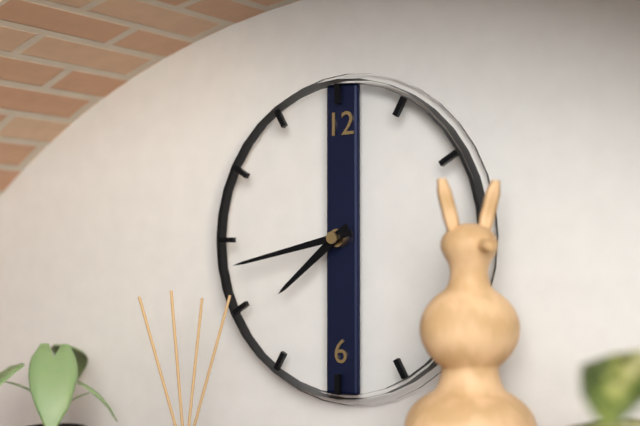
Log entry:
h=7 m=43
